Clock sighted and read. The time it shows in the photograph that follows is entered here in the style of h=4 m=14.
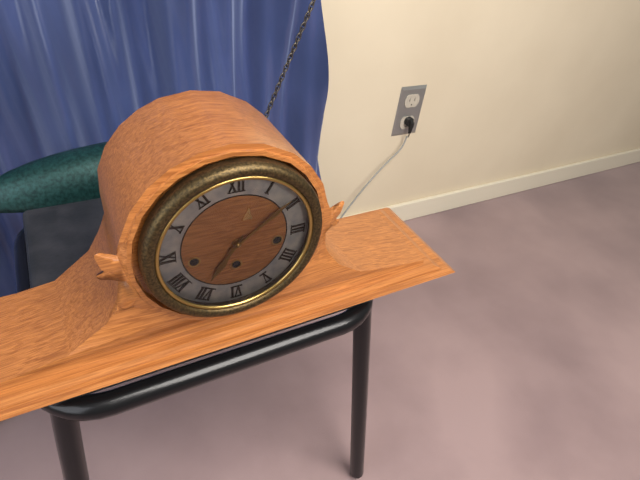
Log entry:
h=7 m=9
